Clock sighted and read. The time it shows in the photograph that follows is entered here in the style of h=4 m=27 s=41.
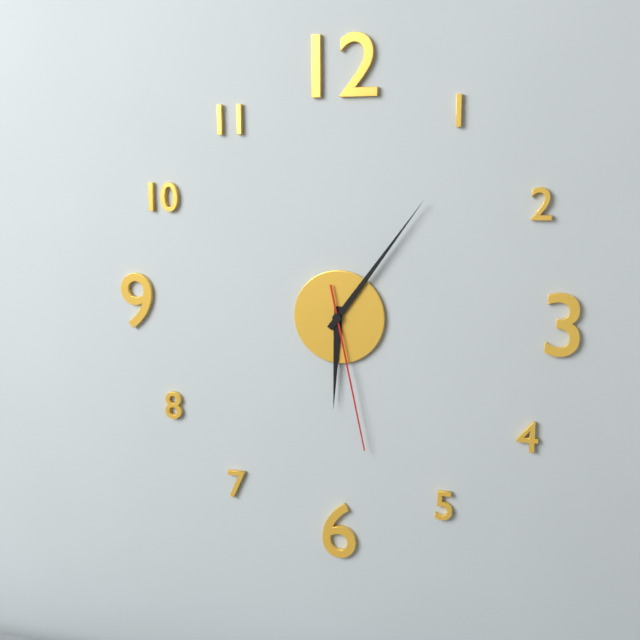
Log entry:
h=6 m=6 s=28
